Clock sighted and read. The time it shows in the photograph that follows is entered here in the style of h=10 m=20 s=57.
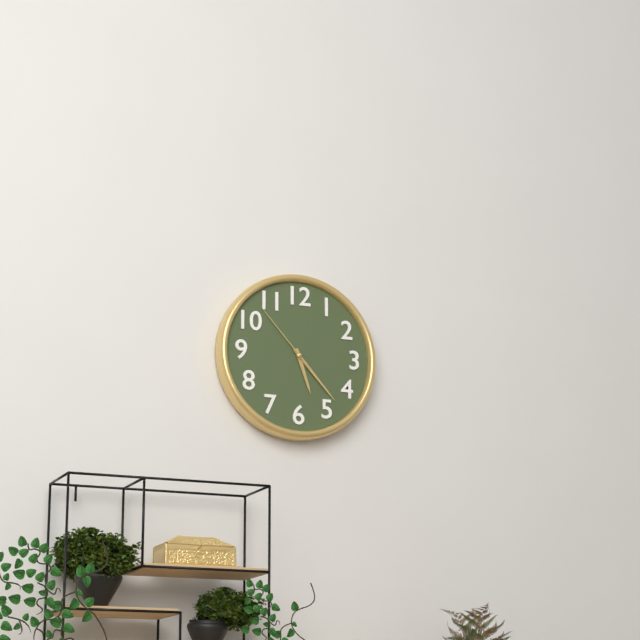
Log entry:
h=5 m=23 s=53
